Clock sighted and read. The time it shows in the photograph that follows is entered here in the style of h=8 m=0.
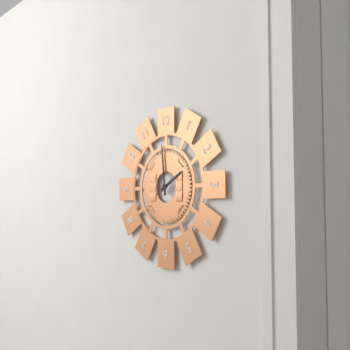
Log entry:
h=1 m=59
